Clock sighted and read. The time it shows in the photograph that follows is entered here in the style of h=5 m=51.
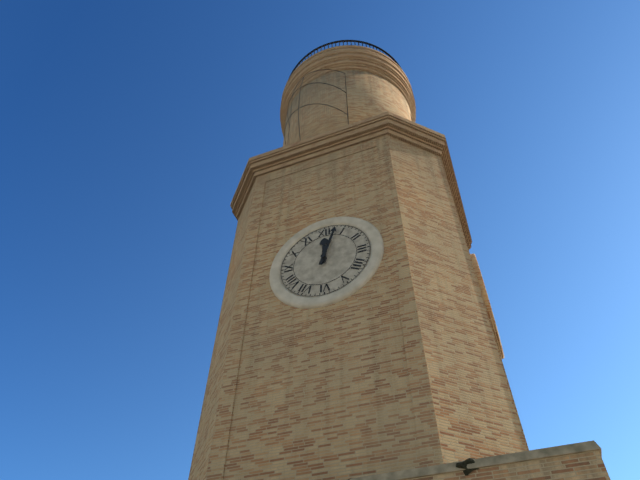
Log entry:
h=12 m=3
